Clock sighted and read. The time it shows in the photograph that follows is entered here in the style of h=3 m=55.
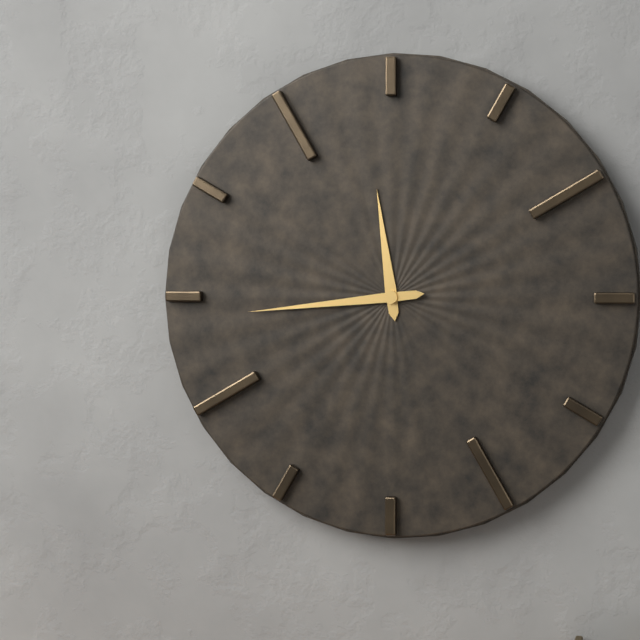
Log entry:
h=11 m=44
